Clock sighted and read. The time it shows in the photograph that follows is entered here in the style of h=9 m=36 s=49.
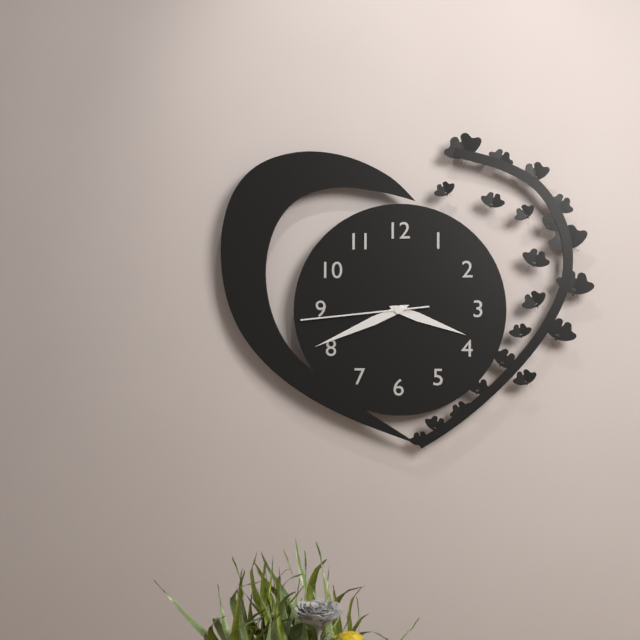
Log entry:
h=3 m=41 s=44
